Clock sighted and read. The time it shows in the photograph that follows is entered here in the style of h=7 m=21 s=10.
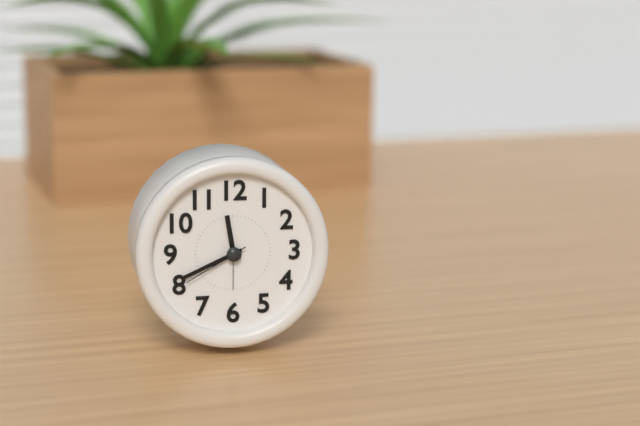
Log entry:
h=11 m=41 s=40
